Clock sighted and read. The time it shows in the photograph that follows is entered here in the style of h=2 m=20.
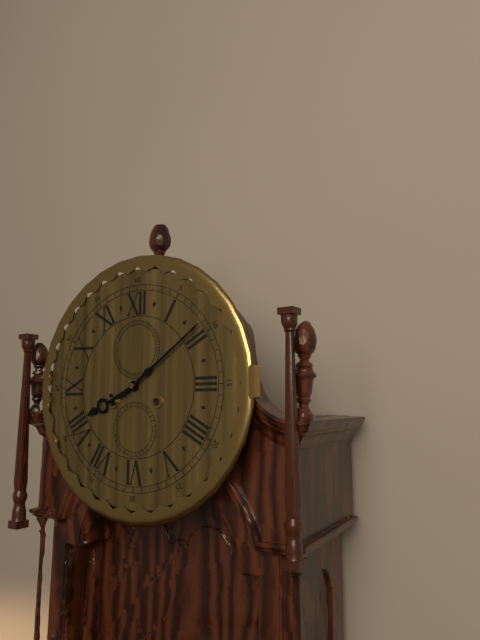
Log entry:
h=8 m=9
